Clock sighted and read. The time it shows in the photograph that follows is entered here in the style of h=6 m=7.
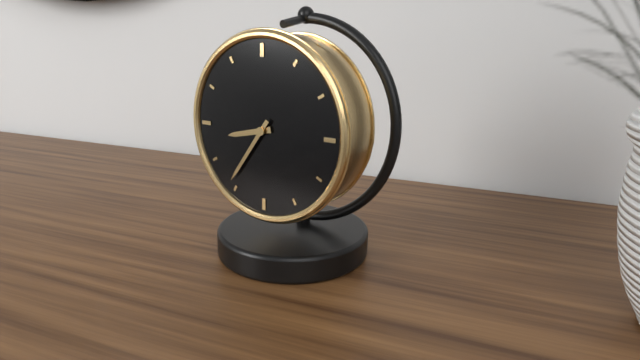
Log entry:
h=8 m=36
